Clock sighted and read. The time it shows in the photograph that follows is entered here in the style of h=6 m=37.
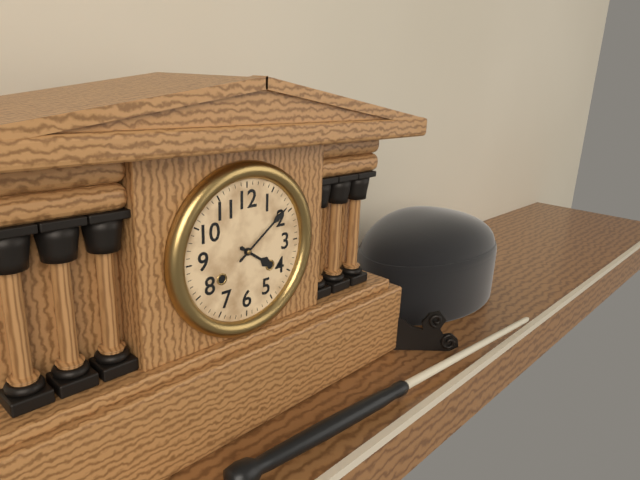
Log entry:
h=4 m=9
